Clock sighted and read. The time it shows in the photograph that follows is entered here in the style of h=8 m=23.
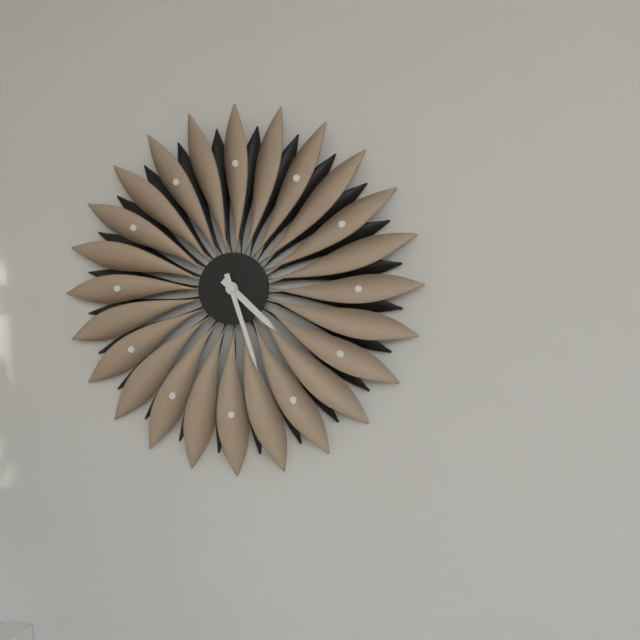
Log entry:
h=4 m=27
